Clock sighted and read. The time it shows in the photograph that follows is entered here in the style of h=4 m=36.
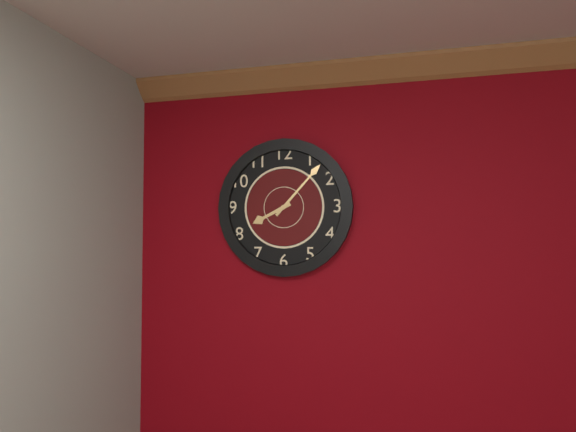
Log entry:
h=8 m=7
